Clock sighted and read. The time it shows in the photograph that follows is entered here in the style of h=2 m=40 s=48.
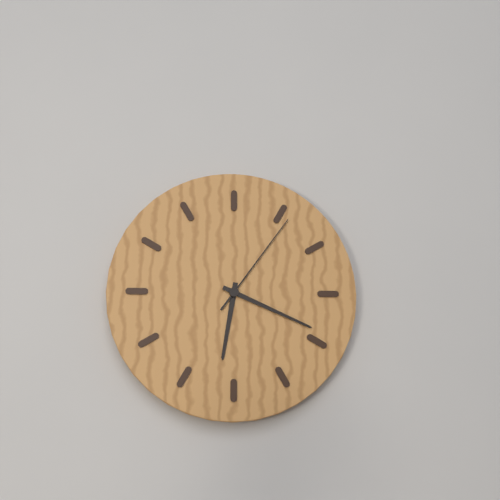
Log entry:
h=6 m=19 s=6
